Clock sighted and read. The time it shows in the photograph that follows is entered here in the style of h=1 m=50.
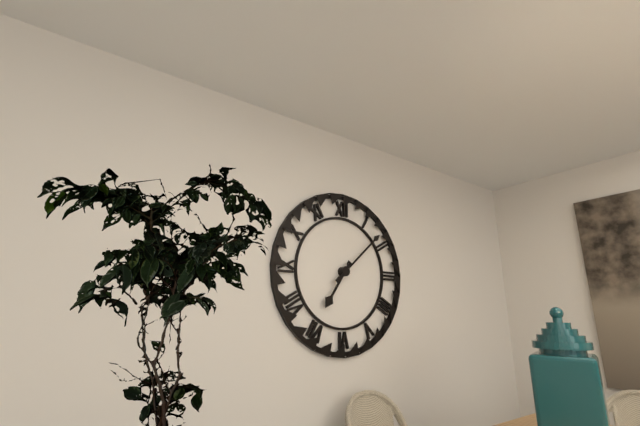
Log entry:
h=7 m=8
